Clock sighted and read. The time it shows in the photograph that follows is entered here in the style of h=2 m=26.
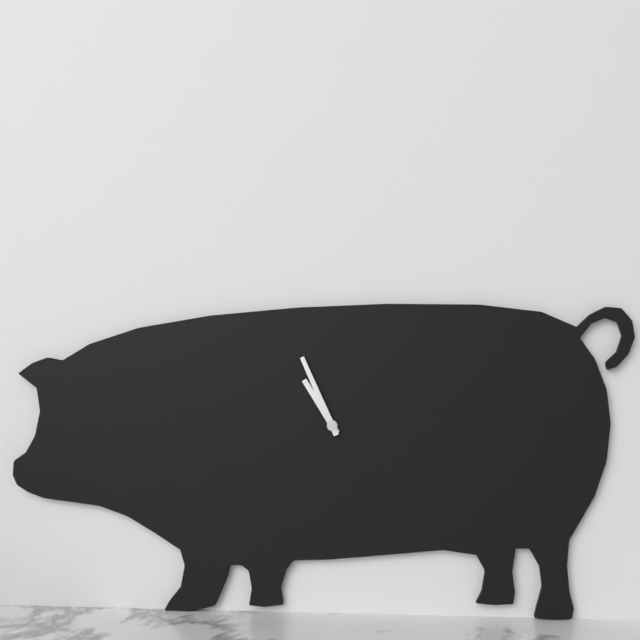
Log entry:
h=10 m=56
